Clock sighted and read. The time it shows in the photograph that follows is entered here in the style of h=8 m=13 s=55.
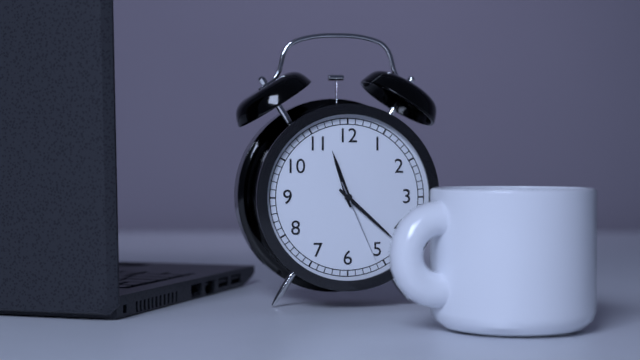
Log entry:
h=11 m=22 s=26
